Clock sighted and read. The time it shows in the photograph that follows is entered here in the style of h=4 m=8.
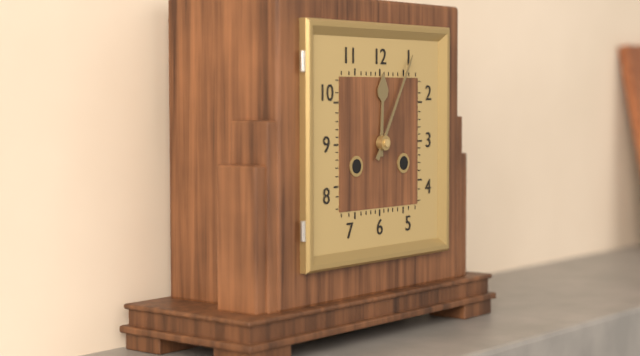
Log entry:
h=12 m=5
